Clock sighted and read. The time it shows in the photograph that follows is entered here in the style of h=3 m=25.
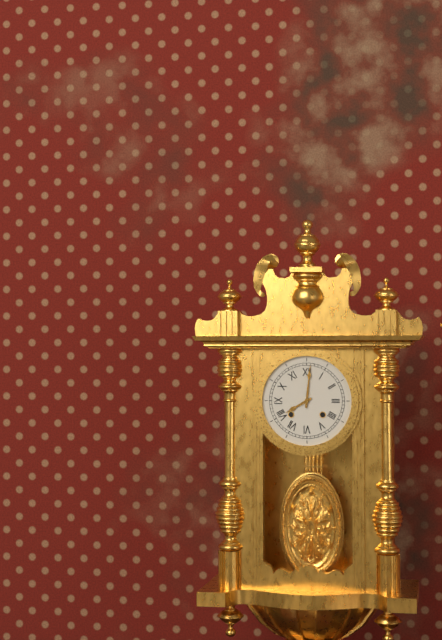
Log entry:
h=8 m=1
